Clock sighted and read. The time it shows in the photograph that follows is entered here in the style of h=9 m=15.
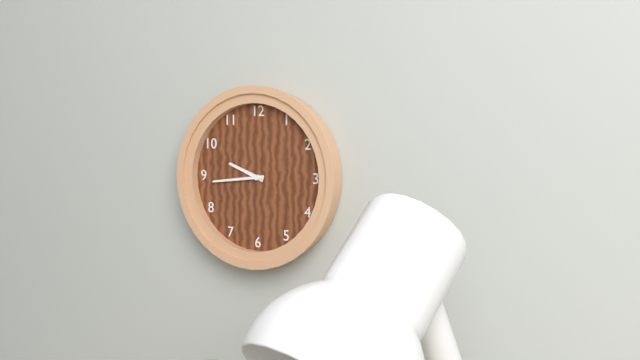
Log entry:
h=9 m=44
